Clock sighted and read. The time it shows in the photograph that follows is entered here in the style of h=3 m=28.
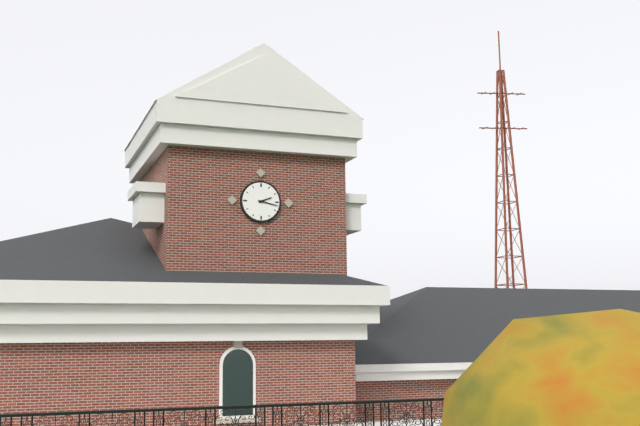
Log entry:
h=2 m=17
